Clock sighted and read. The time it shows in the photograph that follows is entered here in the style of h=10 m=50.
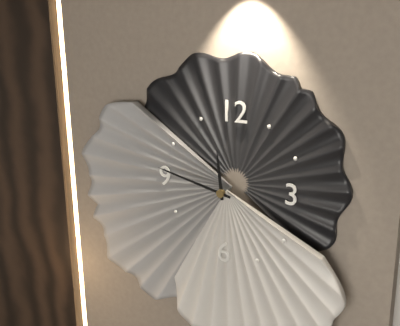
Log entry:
h=11 m=47
